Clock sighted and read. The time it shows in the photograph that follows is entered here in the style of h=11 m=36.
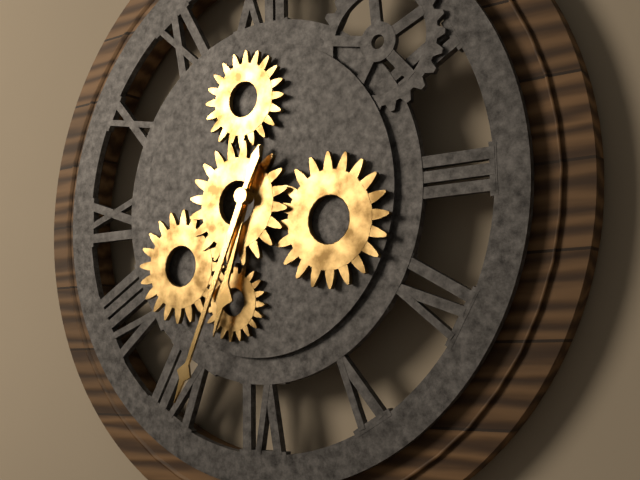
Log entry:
h=6 m=34
